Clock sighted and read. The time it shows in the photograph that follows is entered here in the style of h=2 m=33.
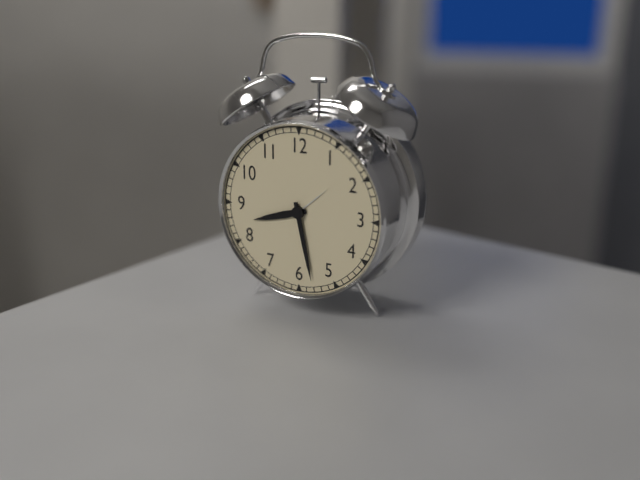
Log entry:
h=8 m=28
